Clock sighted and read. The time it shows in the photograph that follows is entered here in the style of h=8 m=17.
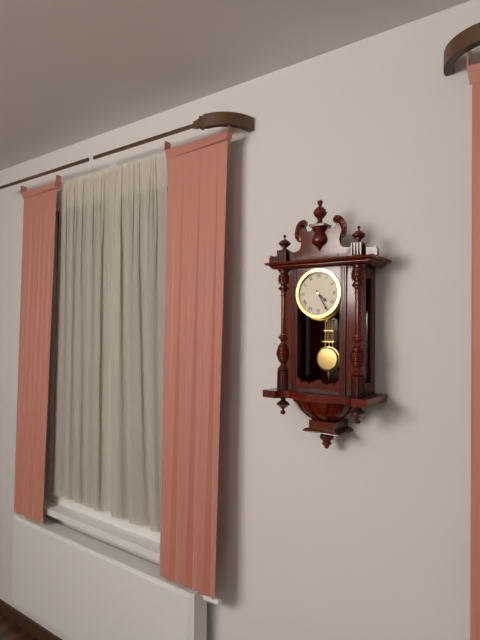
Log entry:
h=4 m=25
